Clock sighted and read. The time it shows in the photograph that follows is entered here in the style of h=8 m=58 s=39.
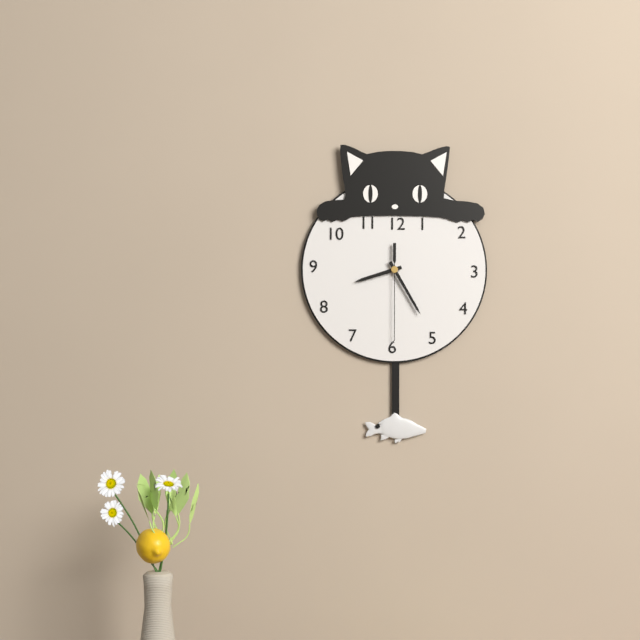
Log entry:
h=8 m=25 s=30
